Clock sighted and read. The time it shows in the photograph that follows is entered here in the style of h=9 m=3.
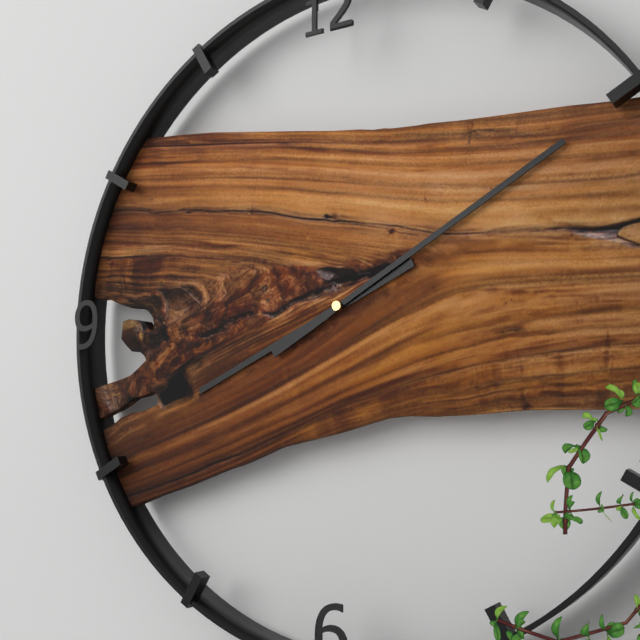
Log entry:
h=8 m=10
